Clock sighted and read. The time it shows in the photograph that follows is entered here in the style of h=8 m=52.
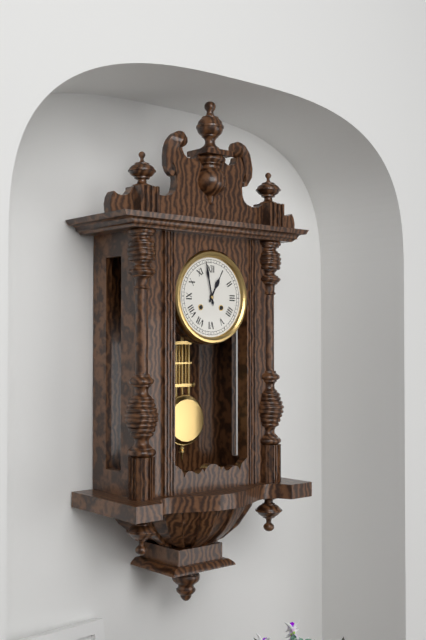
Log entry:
h=12 m=58
